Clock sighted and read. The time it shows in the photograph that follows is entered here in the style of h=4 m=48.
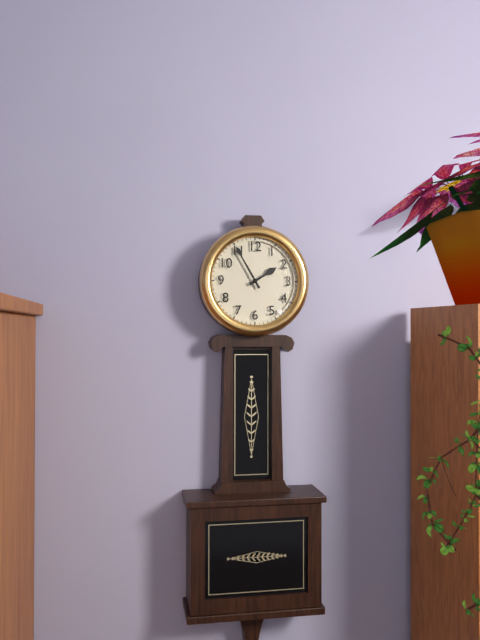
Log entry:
h=1 m=55
